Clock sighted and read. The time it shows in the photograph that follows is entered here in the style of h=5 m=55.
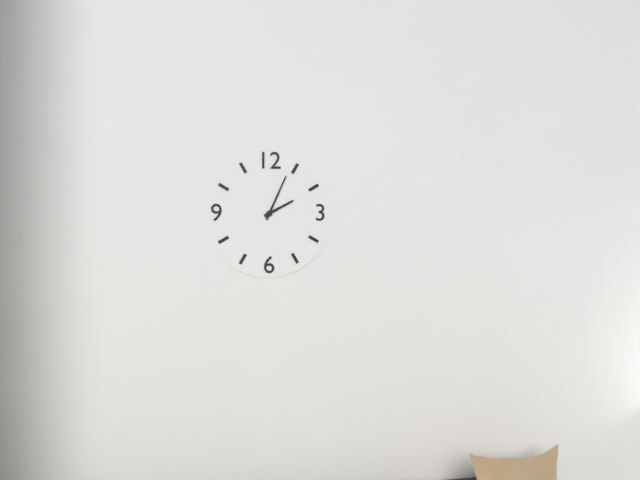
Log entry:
h=2 m=4
